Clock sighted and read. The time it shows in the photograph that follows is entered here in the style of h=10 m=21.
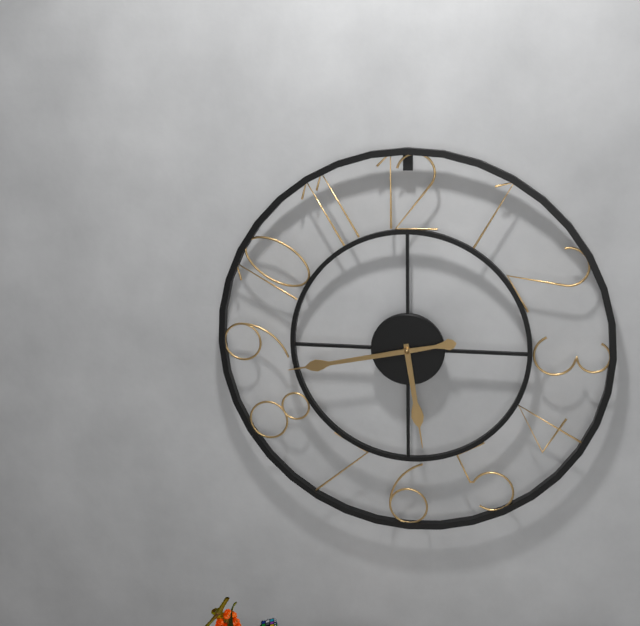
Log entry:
h=5 m=43
